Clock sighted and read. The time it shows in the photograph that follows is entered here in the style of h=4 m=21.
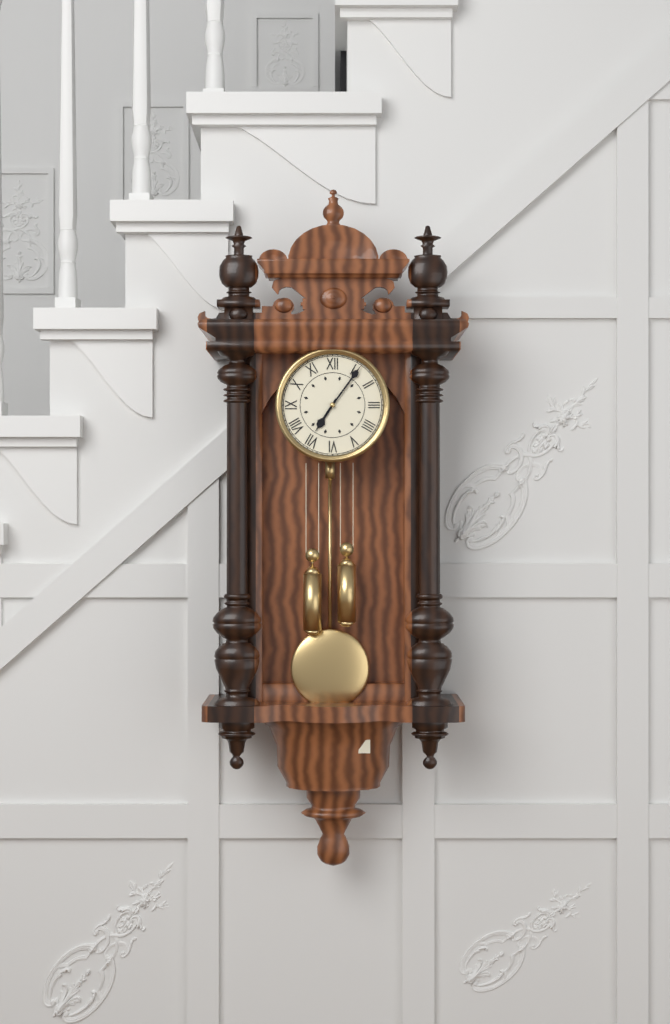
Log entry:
h=7 m=6
